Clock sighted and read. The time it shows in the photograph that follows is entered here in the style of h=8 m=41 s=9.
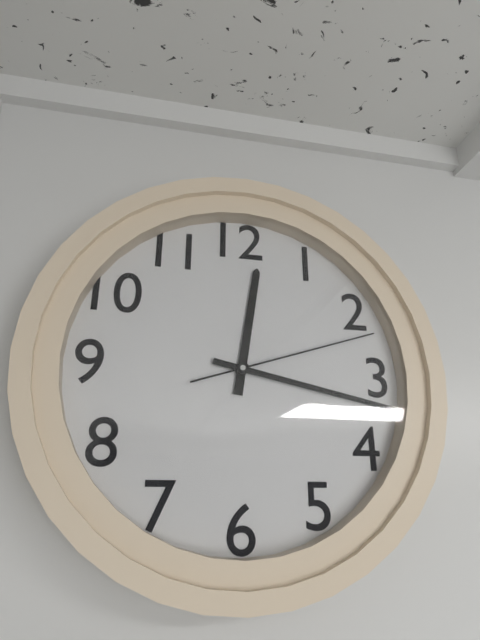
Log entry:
h=12 m=17 s=12
